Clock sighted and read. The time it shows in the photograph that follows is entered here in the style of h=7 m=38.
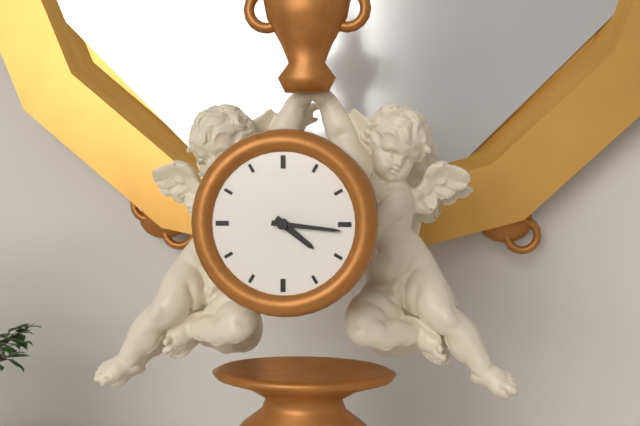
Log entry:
h=4 m=16
